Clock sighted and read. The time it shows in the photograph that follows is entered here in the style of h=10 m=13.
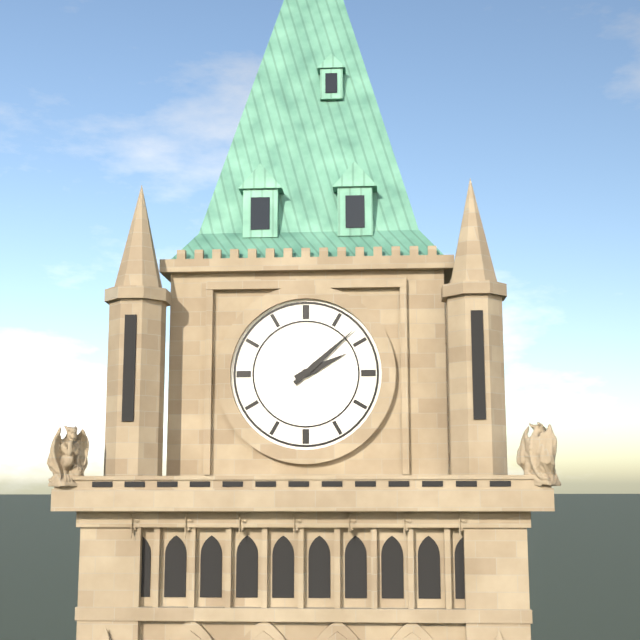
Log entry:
h=2 m=8
